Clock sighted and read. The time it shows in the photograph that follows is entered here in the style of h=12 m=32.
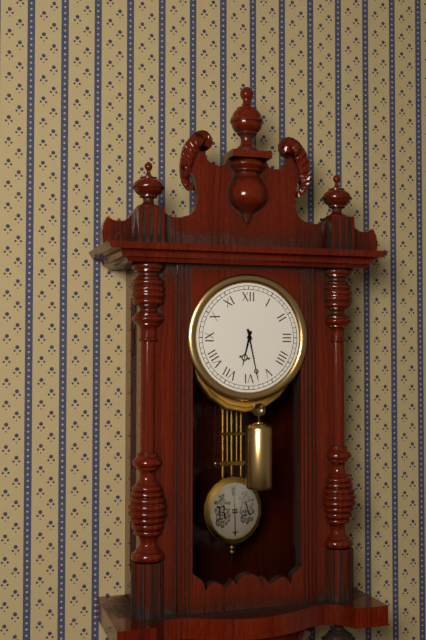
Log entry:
h=6 m=28
